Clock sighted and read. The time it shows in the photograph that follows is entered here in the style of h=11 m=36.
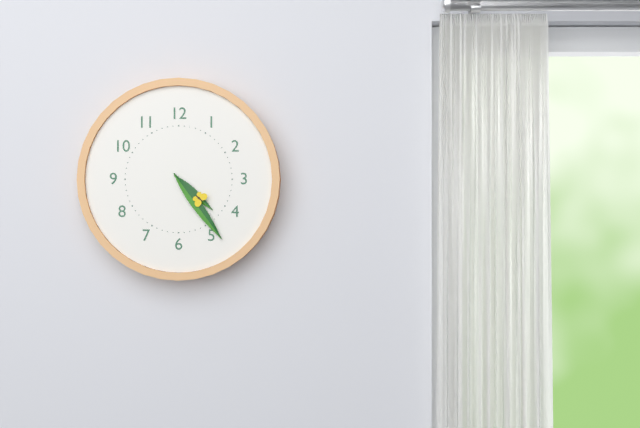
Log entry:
h=4 m=24
